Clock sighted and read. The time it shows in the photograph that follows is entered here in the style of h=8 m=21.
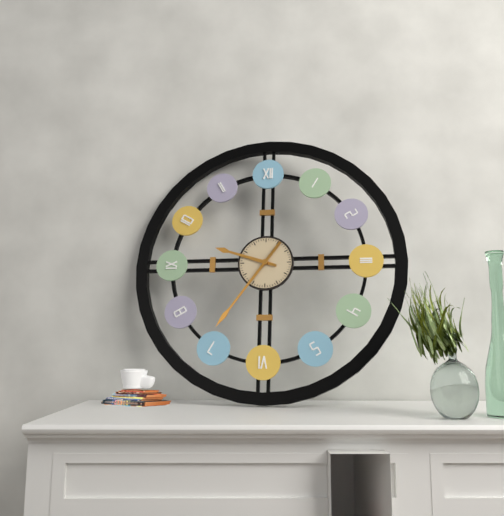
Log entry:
h=9 m=36
